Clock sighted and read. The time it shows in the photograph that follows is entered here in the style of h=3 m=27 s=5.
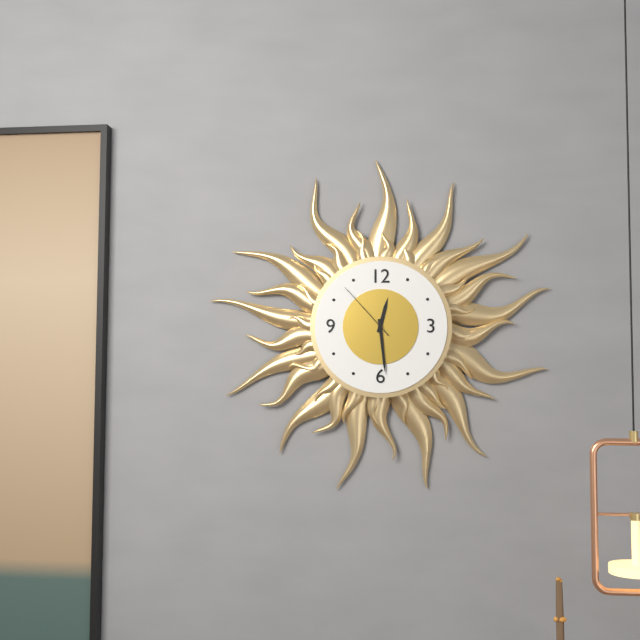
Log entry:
h=12 m=29 s=53
